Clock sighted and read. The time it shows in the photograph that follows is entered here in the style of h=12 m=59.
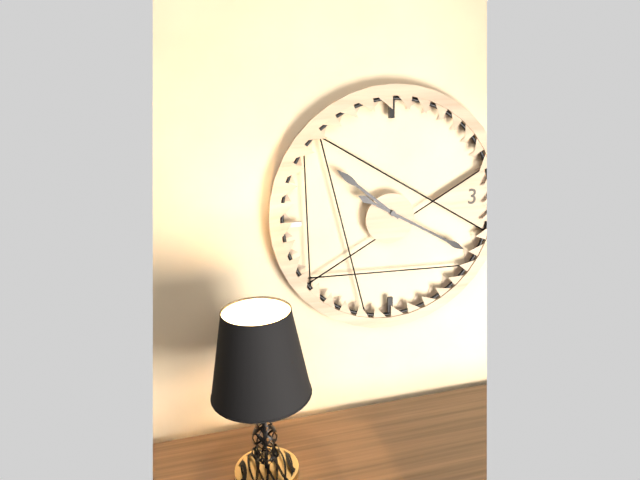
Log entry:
h=10 m=20
